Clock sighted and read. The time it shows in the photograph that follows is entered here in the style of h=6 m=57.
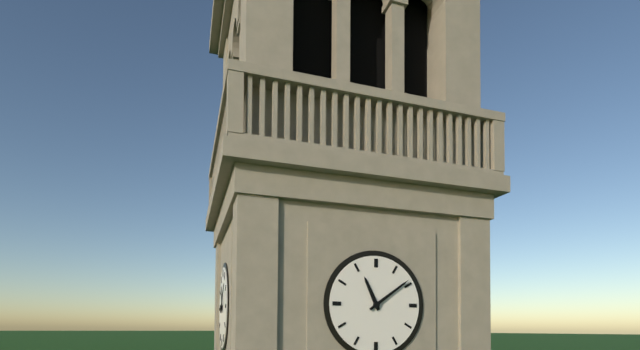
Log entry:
h=11 m=9
